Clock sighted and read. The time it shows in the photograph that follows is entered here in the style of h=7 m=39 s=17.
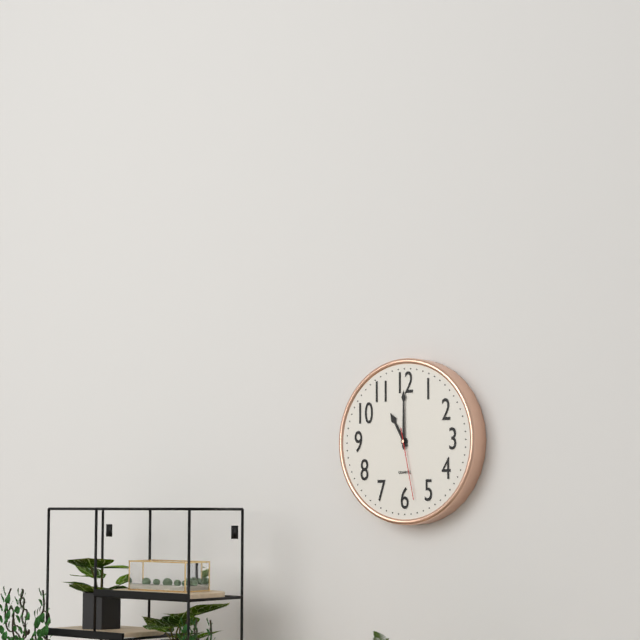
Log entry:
h=11 m=0 s=28
